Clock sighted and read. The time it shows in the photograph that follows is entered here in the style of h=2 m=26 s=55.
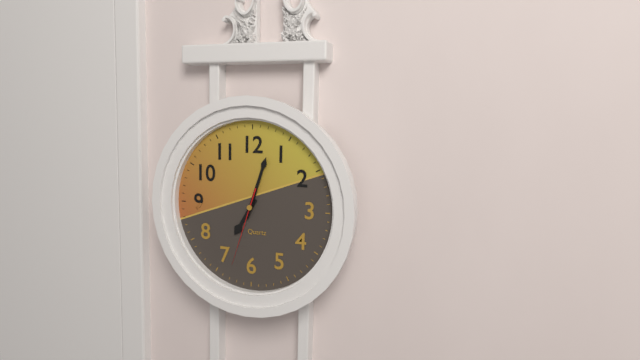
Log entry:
h=7 m=3 s=33
